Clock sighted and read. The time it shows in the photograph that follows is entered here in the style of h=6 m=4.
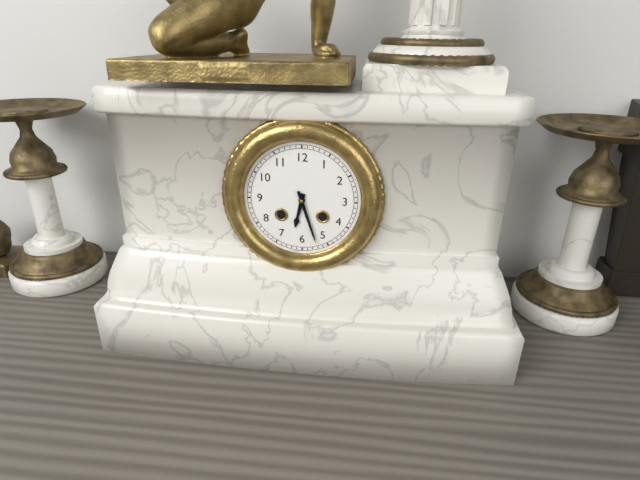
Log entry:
h=6 m=27
